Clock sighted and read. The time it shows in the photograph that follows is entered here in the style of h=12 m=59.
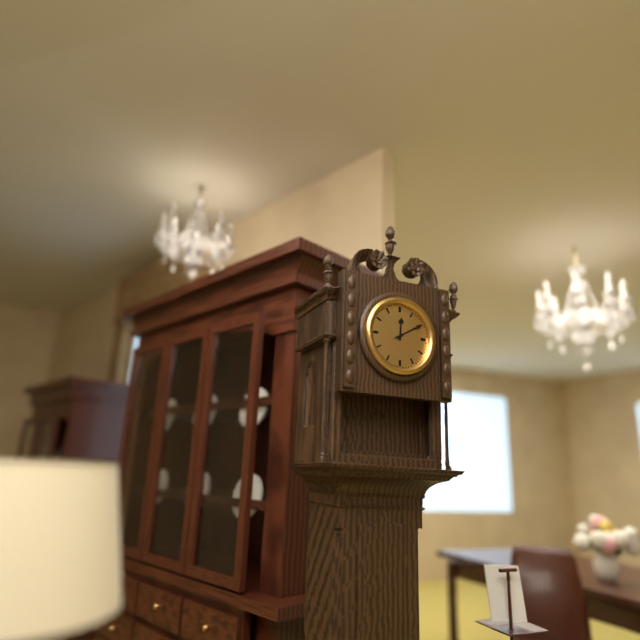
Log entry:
h=12 m=10
